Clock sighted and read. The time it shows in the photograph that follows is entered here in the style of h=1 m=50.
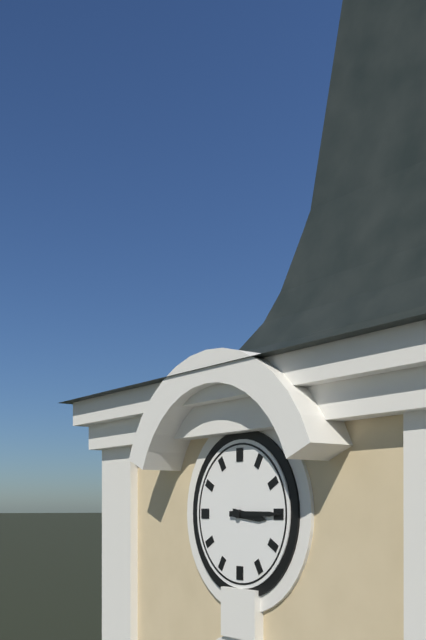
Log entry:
h=3 m=15
